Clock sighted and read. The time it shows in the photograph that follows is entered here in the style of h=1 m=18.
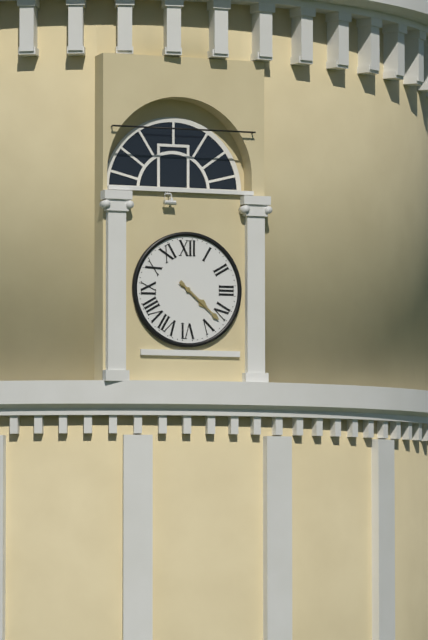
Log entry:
h=4 m=22
